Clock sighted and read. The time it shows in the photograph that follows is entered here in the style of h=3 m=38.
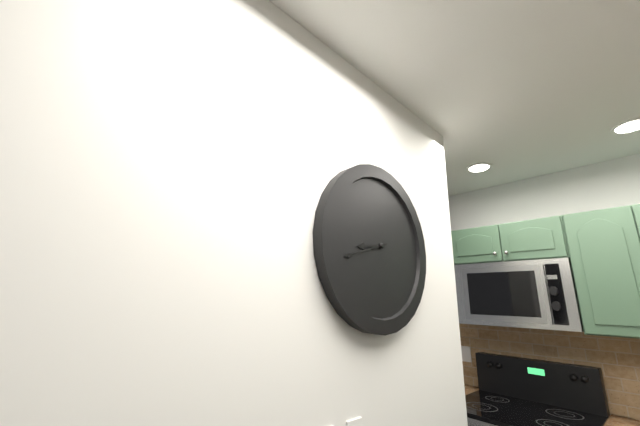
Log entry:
h=8 m=42
